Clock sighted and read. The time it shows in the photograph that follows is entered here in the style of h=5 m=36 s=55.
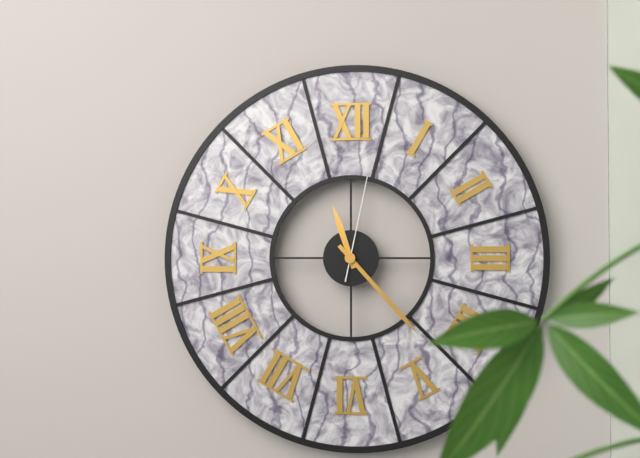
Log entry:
h=11 m=23 s=2
